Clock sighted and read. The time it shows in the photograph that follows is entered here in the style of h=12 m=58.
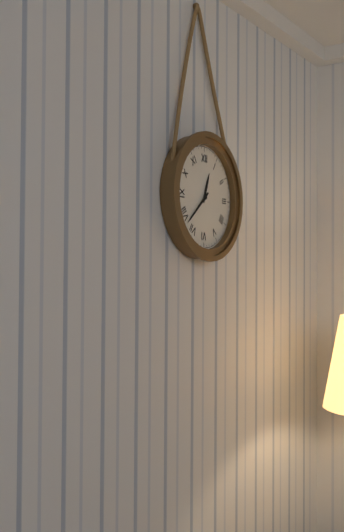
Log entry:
h=12 m=38
